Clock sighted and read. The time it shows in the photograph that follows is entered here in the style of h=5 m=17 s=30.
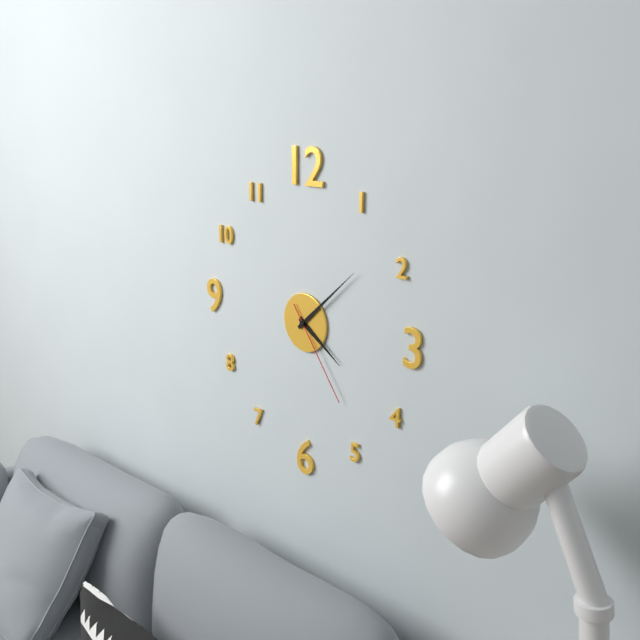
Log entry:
h=4 m=8 s=24
